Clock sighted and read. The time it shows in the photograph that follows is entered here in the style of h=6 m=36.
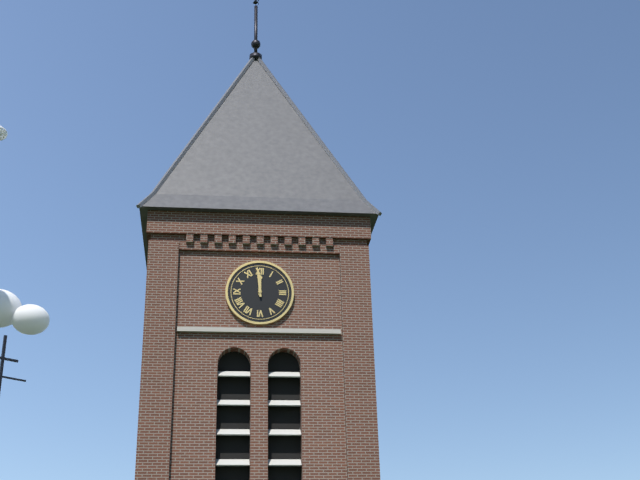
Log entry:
h=11 m=59
